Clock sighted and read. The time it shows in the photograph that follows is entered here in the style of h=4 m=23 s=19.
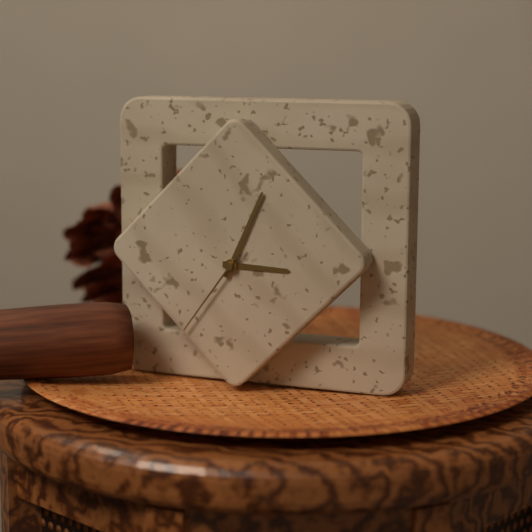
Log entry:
h=3 m=4 s=36
